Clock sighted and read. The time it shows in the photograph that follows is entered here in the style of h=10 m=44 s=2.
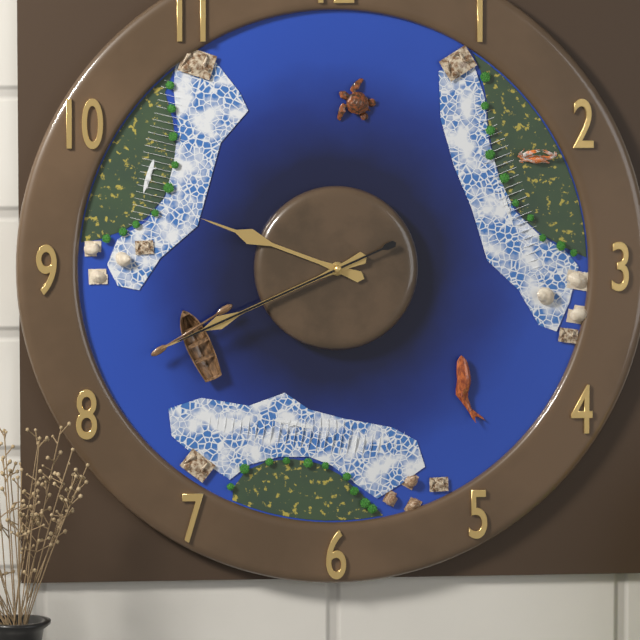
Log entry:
h=9 m=41 s=41
